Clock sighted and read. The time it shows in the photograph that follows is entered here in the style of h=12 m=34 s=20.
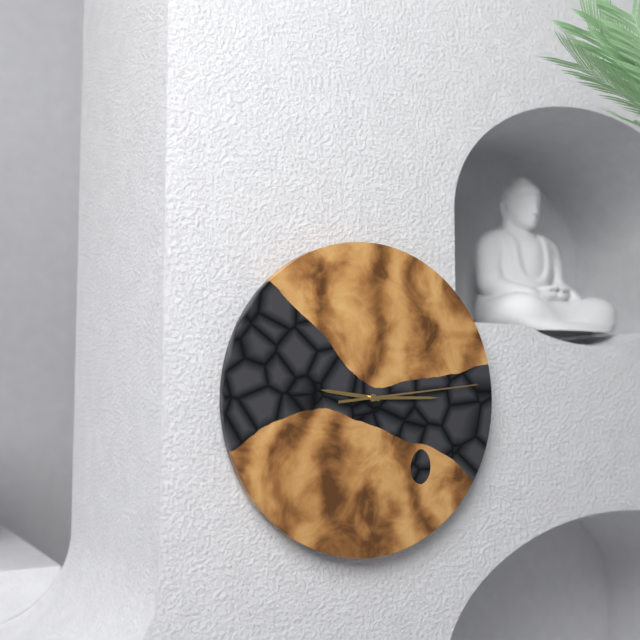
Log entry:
h=9 m=15 s=14
